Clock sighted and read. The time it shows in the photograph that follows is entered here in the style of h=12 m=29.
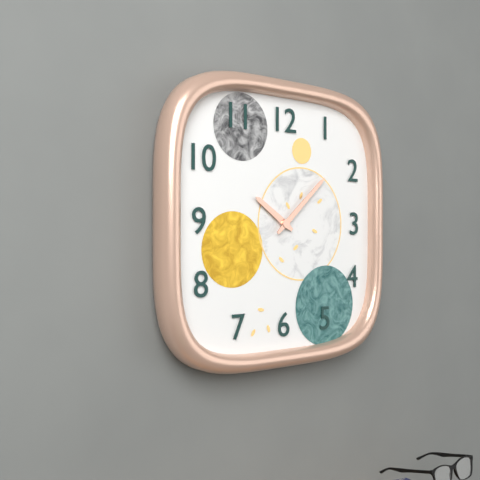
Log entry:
h=10 m=8
